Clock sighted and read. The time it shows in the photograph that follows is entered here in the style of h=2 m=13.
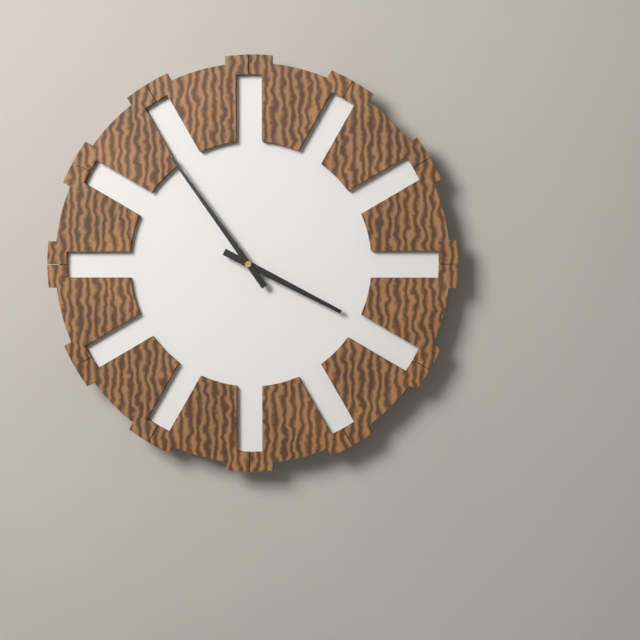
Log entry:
h=3 m=54
